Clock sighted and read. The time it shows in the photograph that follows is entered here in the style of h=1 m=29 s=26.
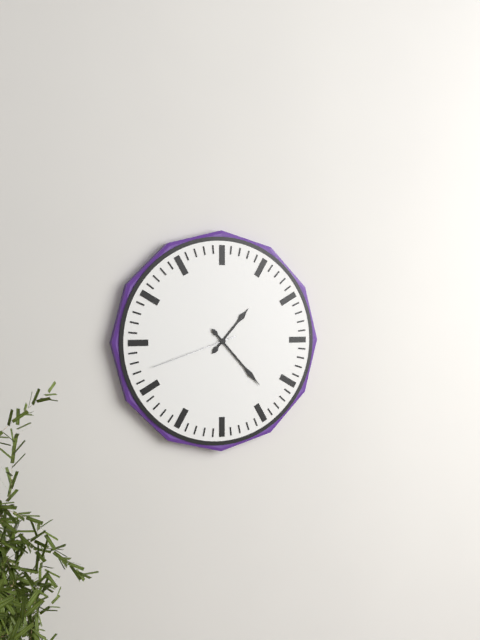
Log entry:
h=1 m=23 s=42
